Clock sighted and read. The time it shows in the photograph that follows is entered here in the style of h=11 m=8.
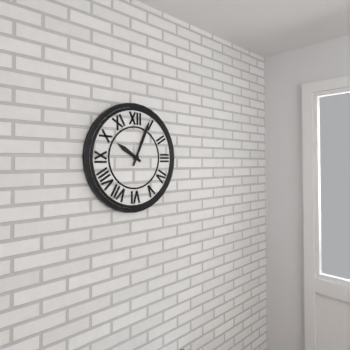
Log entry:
h=10 m=4
